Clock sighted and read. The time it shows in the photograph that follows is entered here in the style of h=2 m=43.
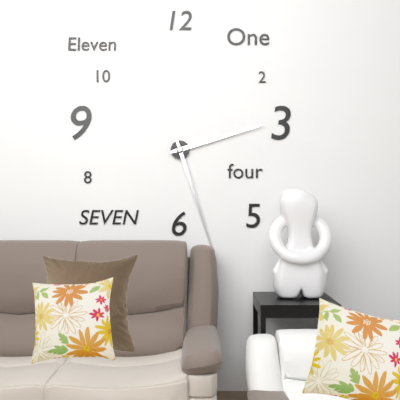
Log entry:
h=2 m=27
